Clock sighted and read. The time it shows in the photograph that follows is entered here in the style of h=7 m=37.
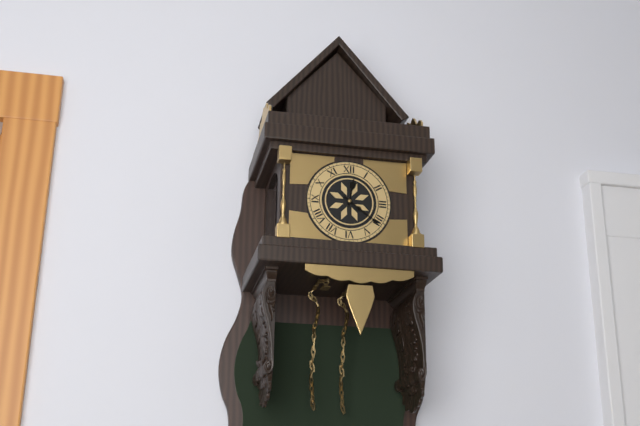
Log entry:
h=12 m=21
